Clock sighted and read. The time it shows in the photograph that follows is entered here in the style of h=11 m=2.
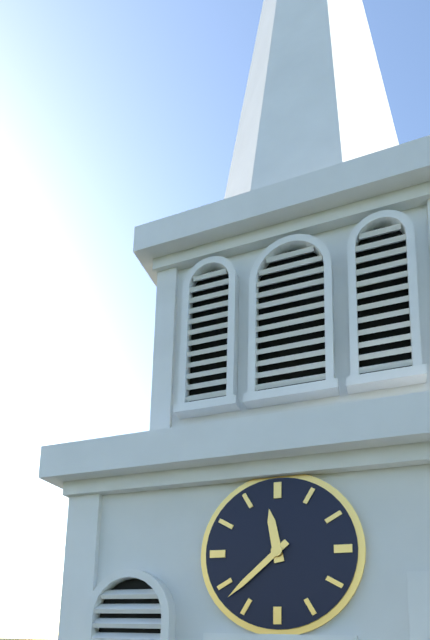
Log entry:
h=11 m=38
